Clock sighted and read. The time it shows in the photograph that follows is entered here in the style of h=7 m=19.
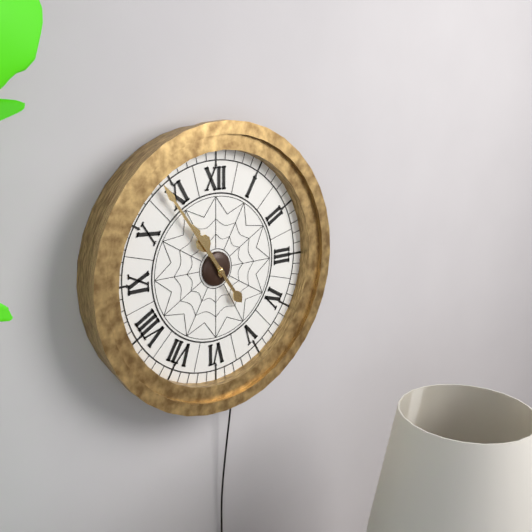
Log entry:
h=10 m=54
